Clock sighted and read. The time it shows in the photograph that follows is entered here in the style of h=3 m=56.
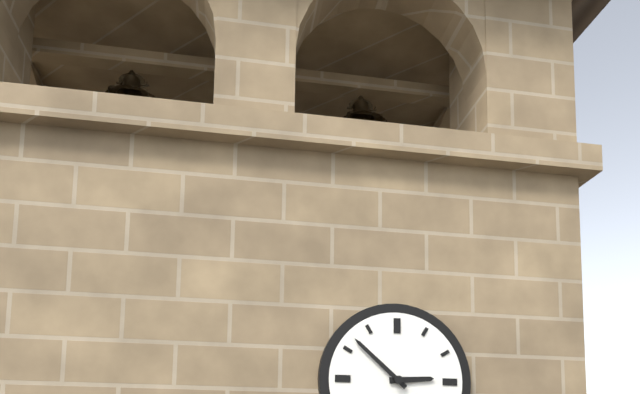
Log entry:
h=2 m=52
